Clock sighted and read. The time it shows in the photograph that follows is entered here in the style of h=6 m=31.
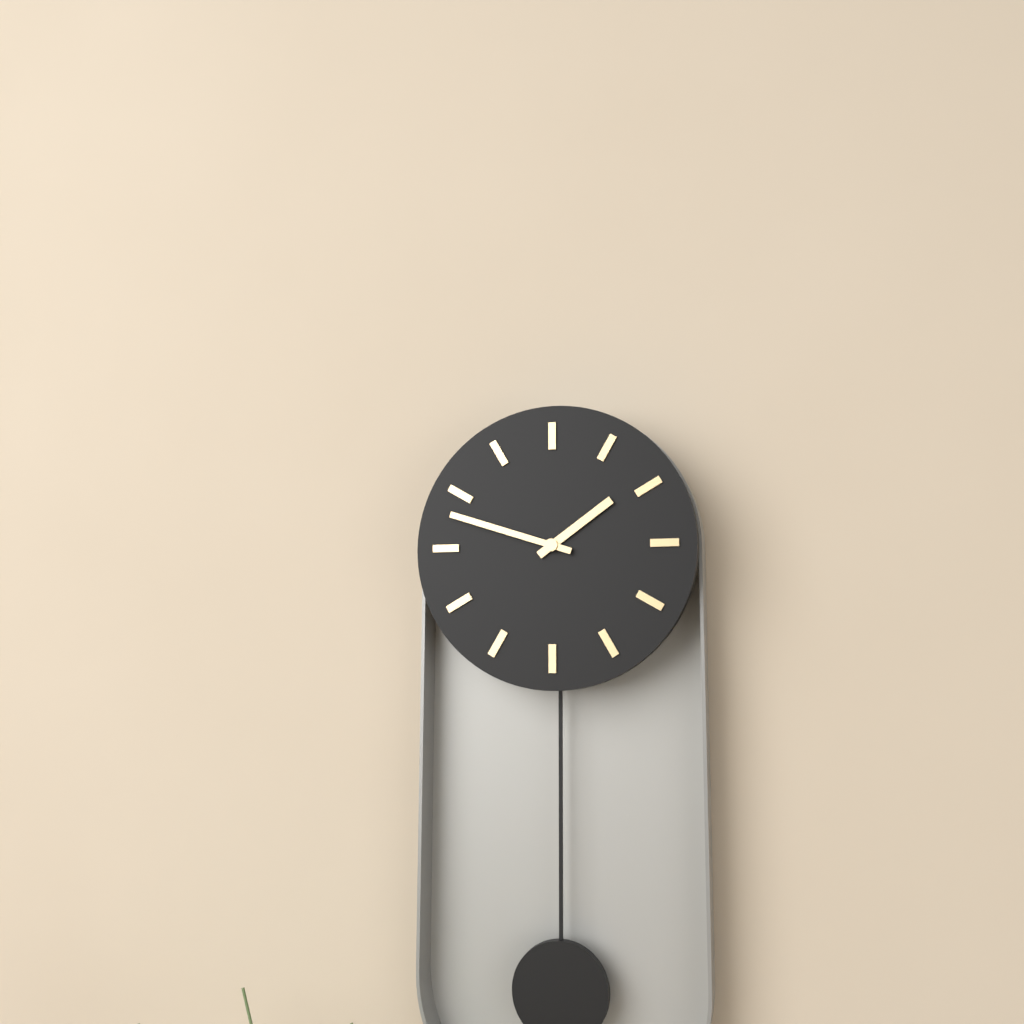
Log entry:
h=1 m=48
